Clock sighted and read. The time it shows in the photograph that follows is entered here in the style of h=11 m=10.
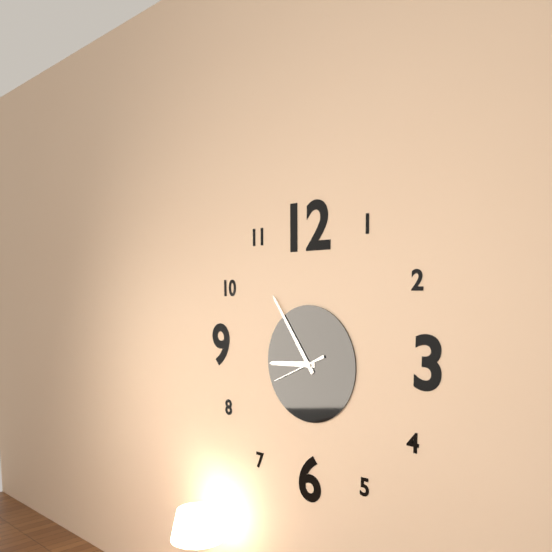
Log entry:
h=8 m=54
